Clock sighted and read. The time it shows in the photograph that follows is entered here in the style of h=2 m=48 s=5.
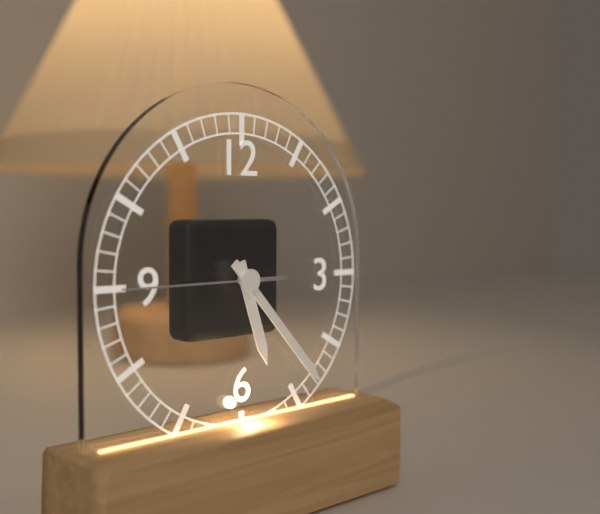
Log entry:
h=5 m=23 s=45
